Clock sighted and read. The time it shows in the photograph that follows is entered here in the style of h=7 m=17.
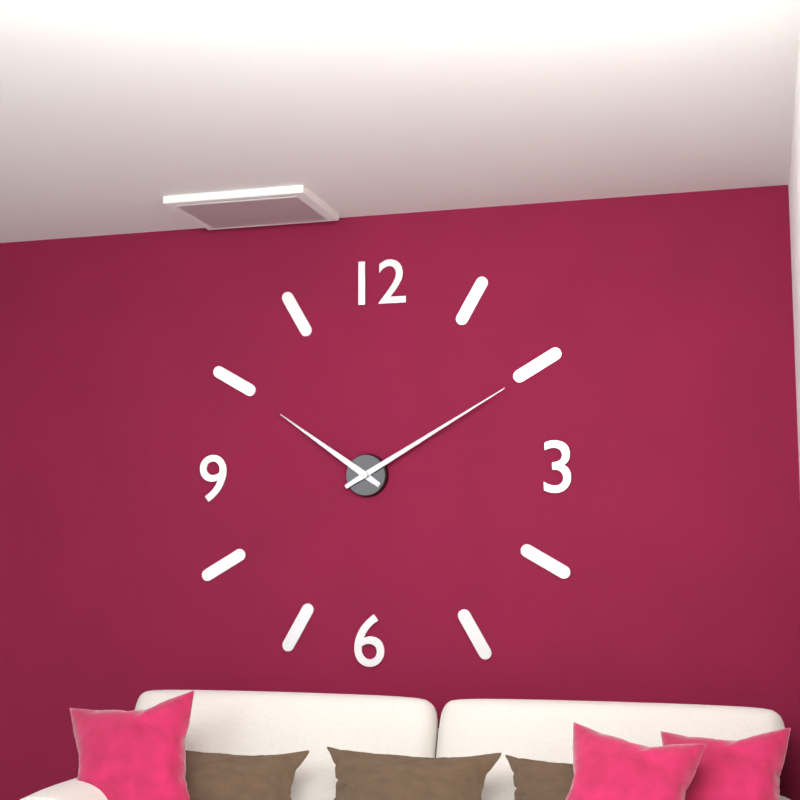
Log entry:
h=10 m=10
